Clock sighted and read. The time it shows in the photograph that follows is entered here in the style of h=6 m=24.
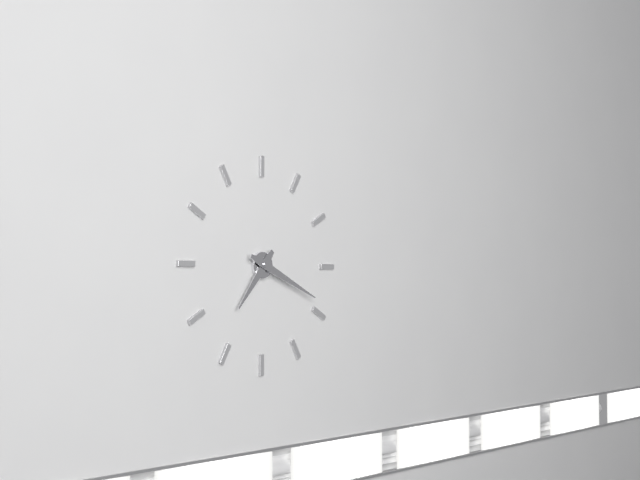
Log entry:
h=7 m=19
